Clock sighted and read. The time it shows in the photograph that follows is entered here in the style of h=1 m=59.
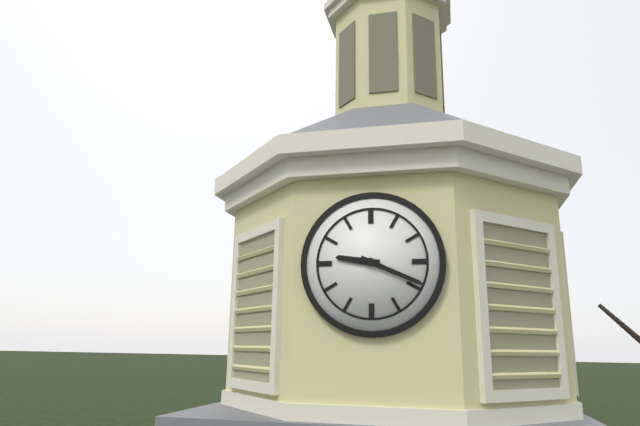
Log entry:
h=9 m=19
